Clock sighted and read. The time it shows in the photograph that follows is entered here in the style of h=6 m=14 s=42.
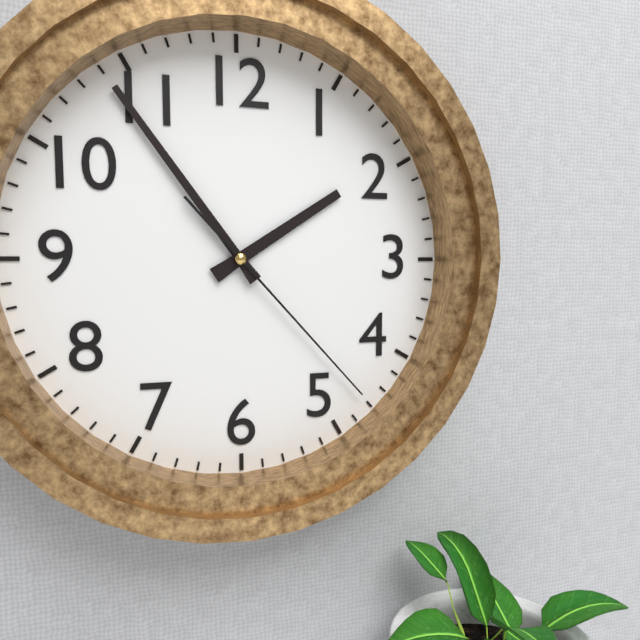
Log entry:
h=1 m=54 s=23
